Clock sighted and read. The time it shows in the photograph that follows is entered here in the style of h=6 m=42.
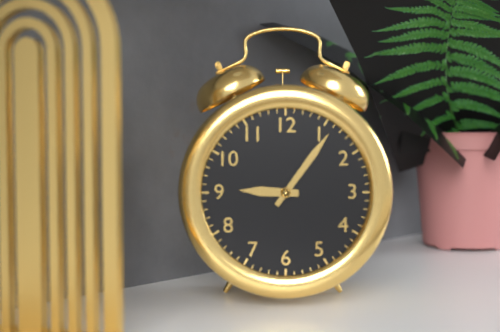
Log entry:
h=9 m=6
